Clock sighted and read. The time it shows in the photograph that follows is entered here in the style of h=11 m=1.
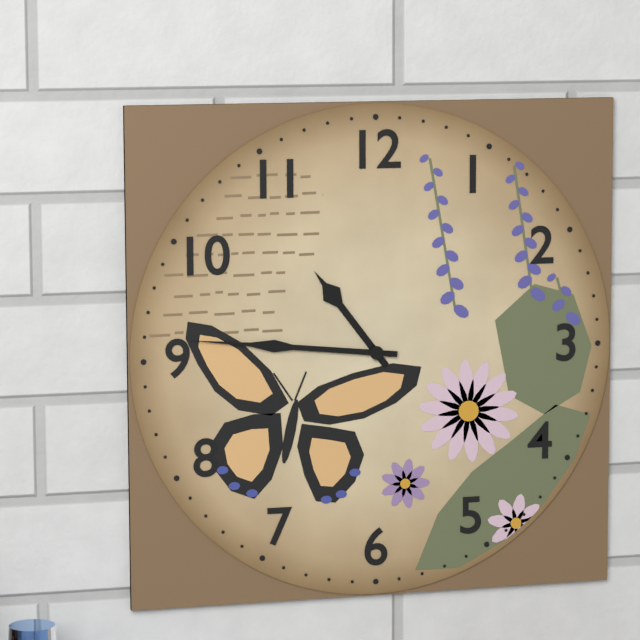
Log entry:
h=10 m=46
